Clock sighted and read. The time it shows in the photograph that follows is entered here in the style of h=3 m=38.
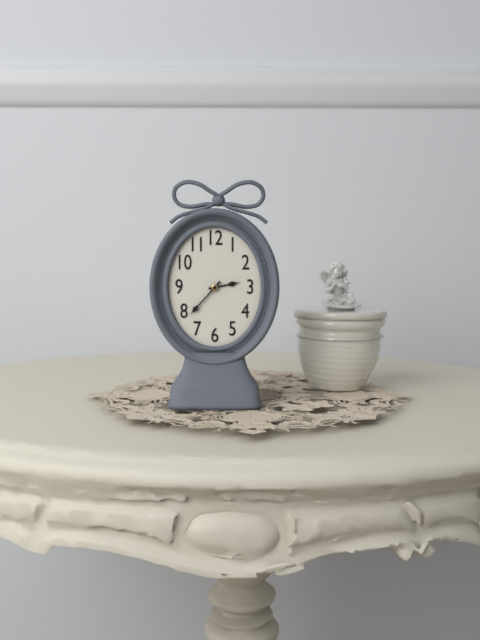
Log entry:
h=2 m=37
